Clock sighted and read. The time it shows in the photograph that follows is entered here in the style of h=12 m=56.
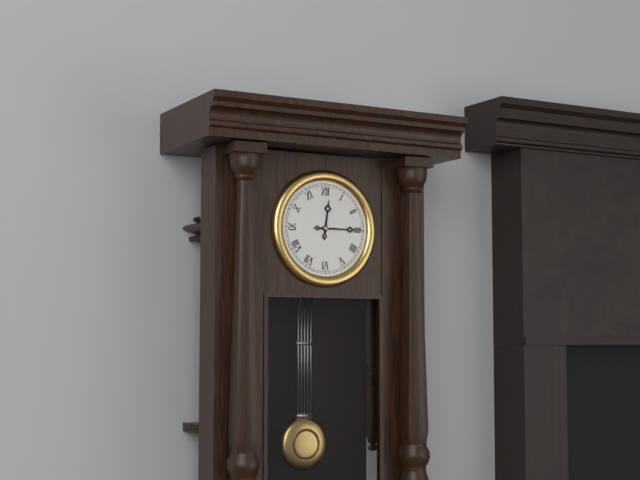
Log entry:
h=12 m=15
